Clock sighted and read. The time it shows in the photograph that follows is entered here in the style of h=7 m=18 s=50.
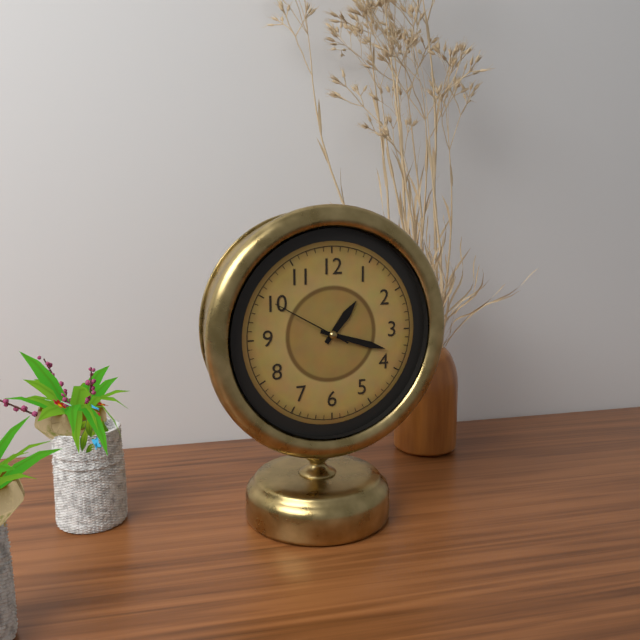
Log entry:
h=1 m=18 s=50
